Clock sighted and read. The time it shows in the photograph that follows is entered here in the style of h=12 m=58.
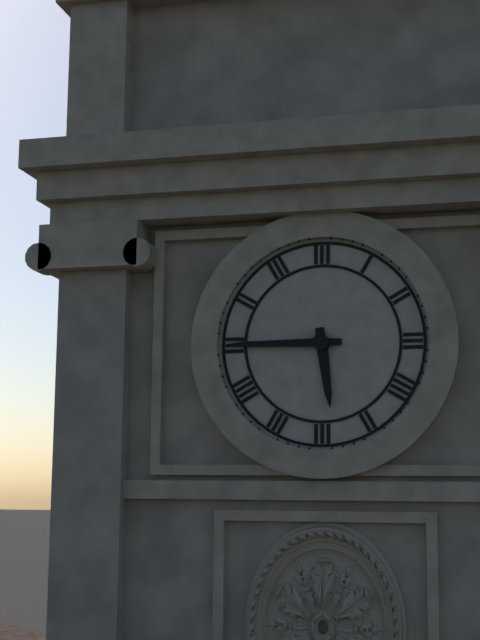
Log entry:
h=5 m=45
